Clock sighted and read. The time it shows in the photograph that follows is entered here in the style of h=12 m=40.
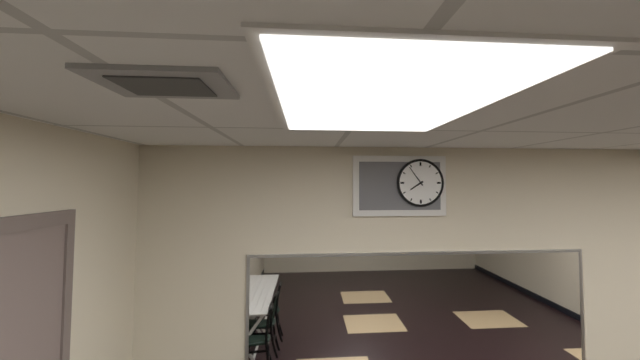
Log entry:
h=7 m=54
